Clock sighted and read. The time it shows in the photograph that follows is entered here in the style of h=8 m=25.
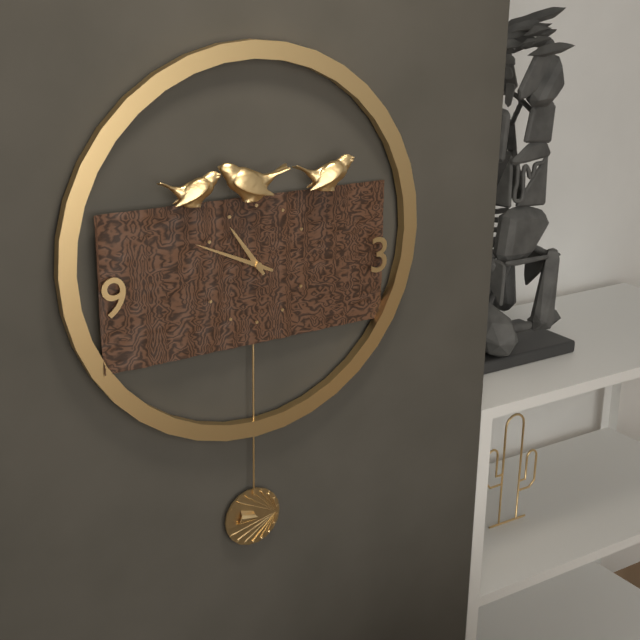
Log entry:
h=10 m=49
